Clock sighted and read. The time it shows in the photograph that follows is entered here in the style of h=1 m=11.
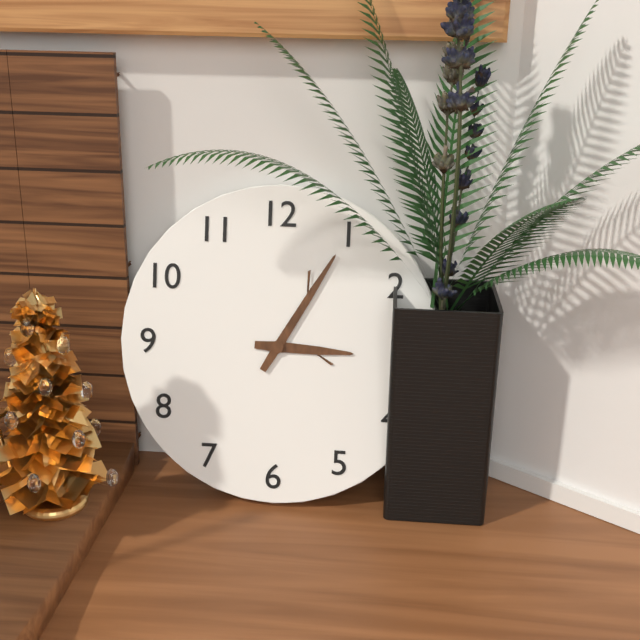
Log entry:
h=3 m=5
